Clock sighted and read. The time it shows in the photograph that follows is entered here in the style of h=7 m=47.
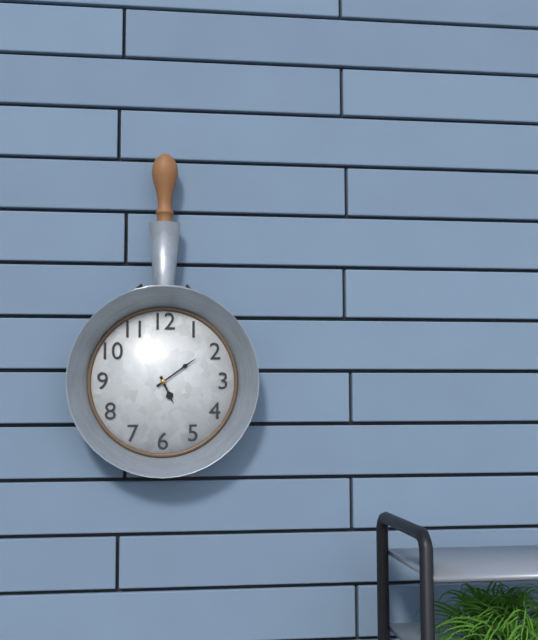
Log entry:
h=5 m=9
